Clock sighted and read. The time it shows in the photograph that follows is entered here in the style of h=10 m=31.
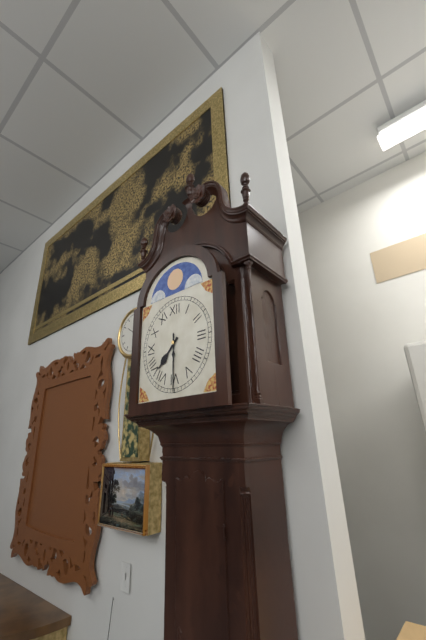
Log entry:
h=7 m=30
